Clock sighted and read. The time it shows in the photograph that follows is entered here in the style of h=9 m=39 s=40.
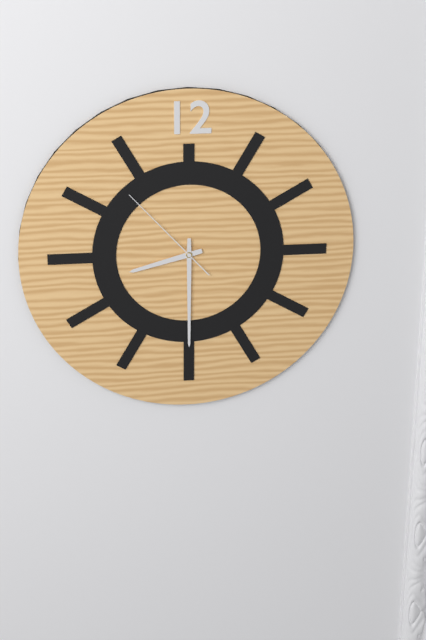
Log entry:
h=8 m=30 s=53
